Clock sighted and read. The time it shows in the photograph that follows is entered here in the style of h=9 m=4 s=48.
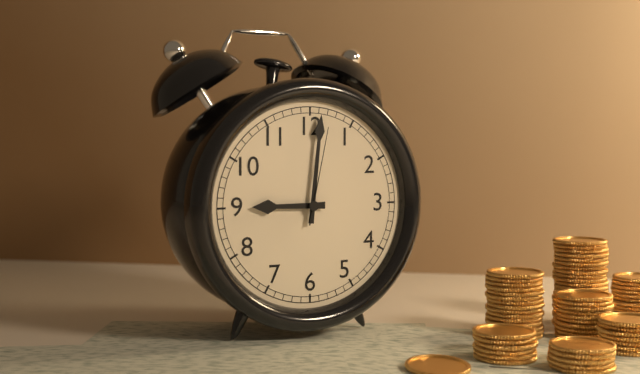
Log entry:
h=9 m=1 s=2
